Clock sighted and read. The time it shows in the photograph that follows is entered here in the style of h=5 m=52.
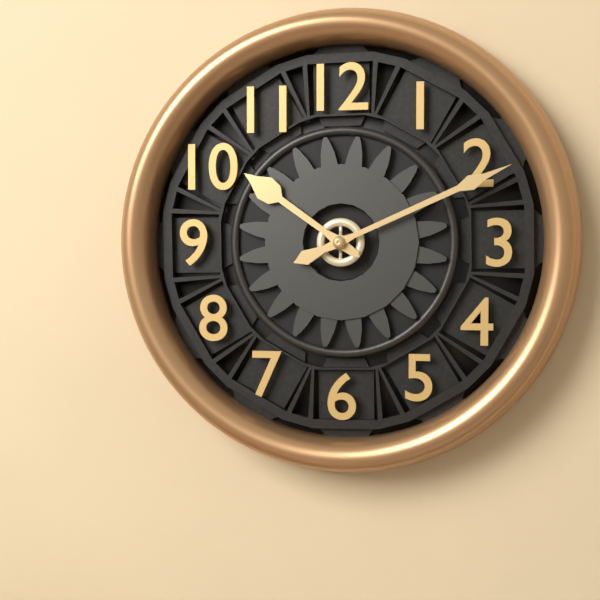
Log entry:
h=10 m=11
